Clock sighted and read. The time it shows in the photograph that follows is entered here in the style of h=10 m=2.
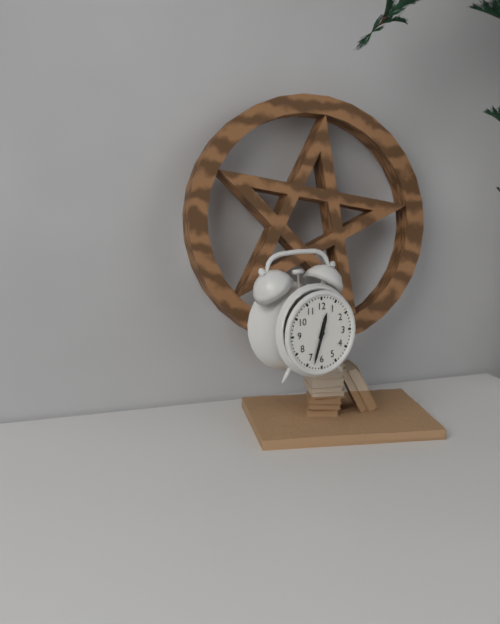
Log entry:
h=12 m=33
